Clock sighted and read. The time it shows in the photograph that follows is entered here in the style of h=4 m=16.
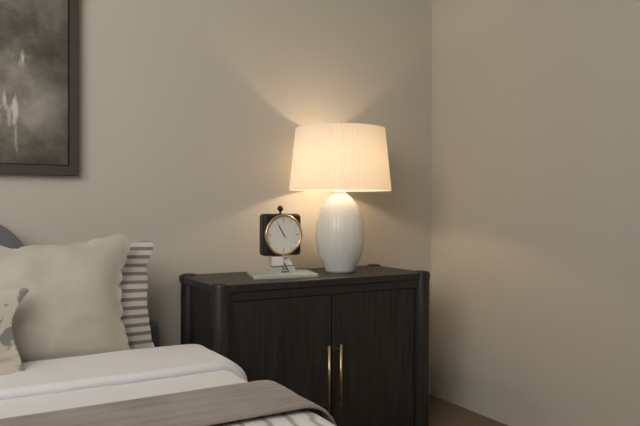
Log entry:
h=10 m=55
